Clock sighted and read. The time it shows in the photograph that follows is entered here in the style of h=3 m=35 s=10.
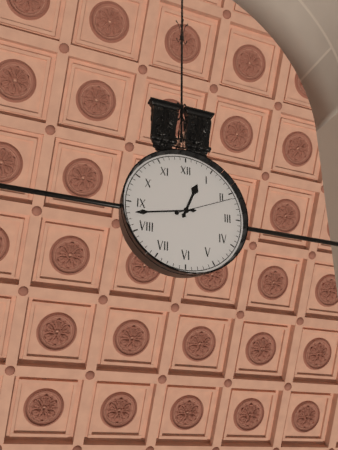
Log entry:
h=12 m=43 s=11
